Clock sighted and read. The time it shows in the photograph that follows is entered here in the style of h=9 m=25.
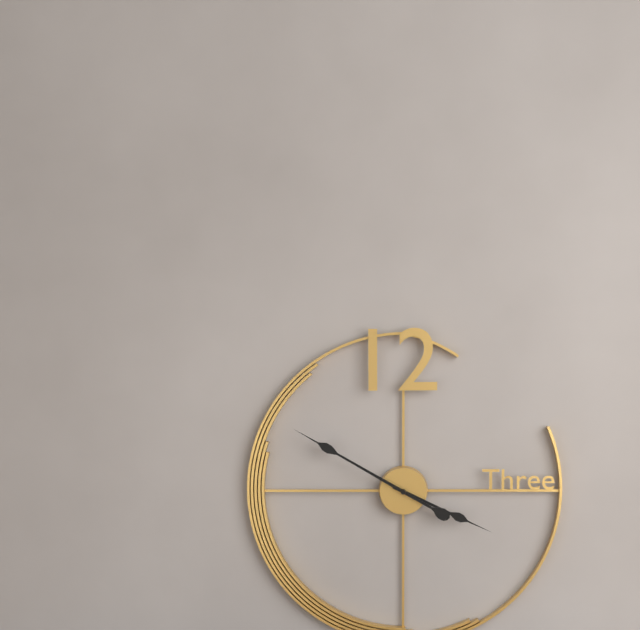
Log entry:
h=3 m=50
